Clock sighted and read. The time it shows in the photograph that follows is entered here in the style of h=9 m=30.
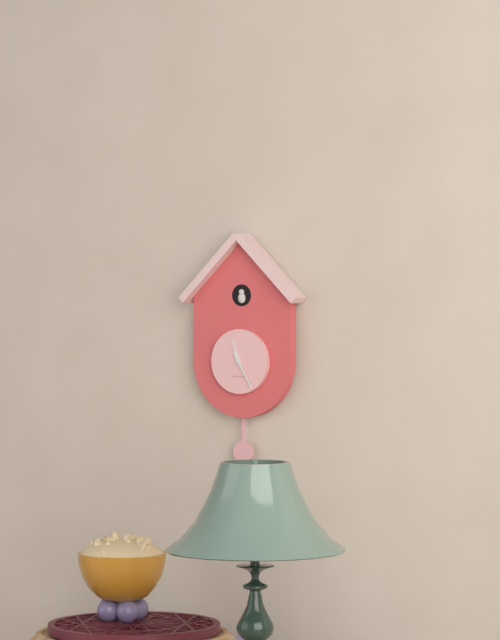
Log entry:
h=11 m=25
